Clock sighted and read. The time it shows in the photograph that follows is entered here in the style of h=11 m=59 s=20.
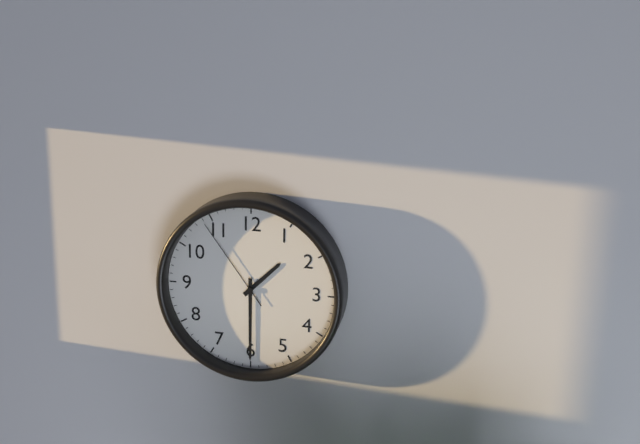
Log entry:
h=1 m=30 s=54
